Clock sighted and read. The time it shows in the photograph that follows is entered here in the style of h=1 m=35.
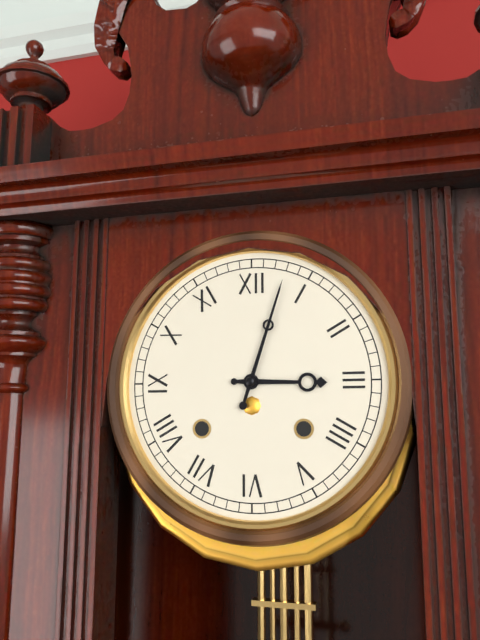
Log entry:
h=3 m=3
